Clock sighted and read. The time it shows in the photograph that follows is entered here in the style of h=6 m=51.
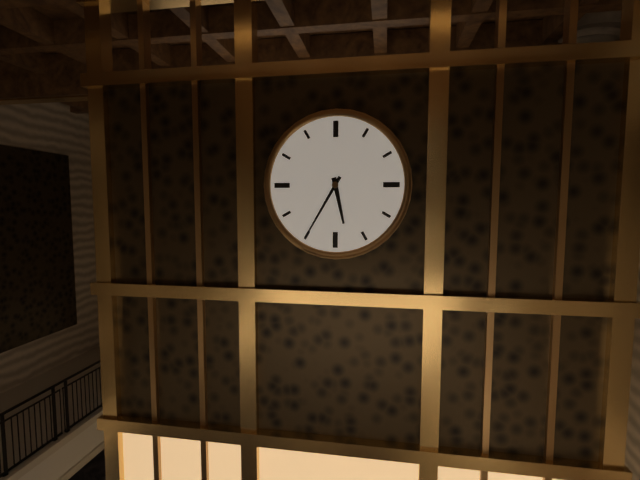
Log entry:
h=5 m=35
